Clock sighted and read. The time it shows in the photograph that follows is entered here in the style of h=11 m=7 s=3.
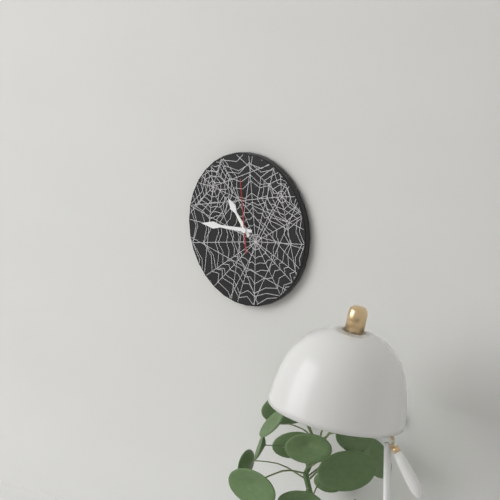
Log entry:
h=10 m=45 s=59
